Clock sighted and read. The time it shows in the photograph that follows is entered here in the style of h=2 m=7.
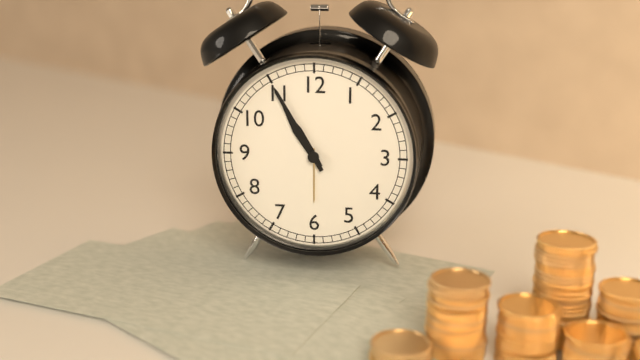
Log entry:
h=10 m=55
